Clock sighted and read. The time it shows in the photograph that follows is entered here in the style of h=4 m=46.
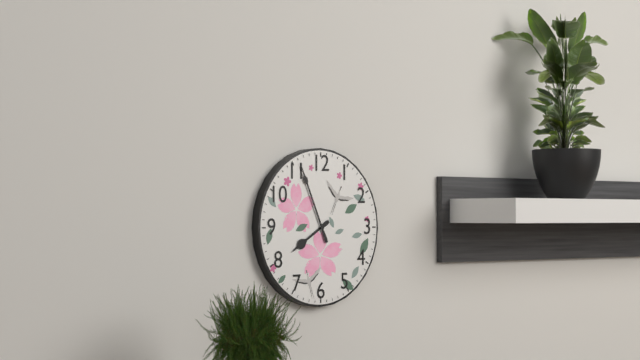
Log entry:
h=7 m=56
